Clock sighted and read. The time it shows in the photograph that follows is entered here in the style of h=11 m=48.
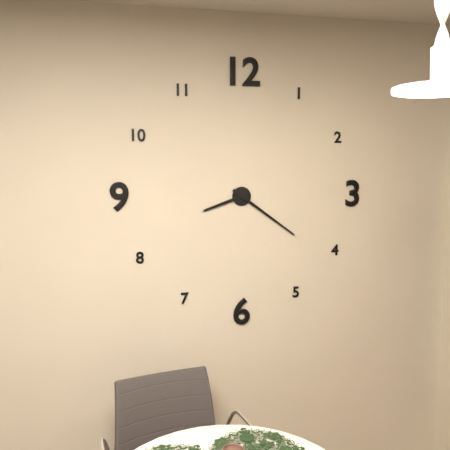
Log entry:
h=8 m=21
